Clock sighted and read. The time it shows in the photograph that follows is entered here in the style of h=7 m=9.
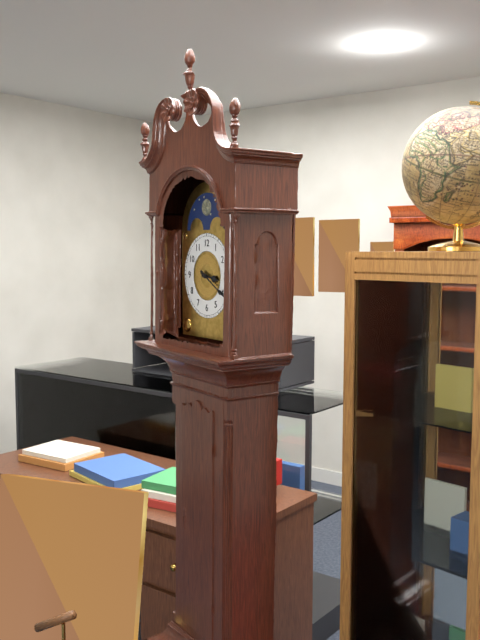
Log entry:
h=3 m=20
